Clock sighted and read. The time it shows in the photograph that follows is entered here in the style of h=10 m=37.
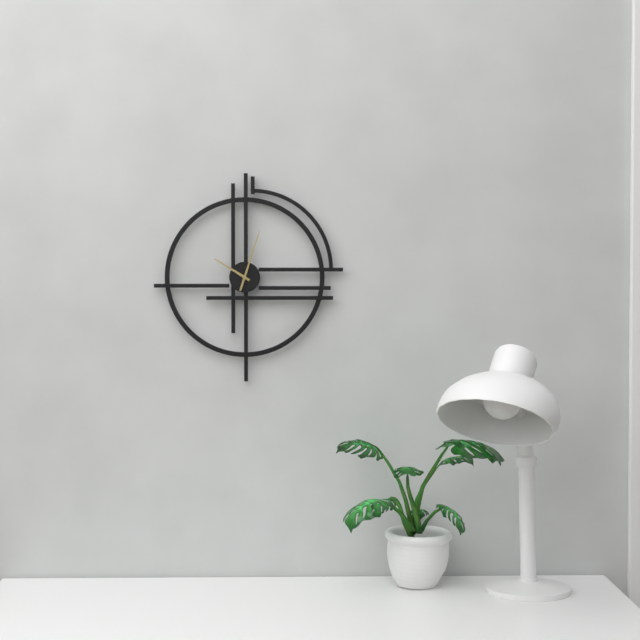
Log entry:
h=10 m=3
